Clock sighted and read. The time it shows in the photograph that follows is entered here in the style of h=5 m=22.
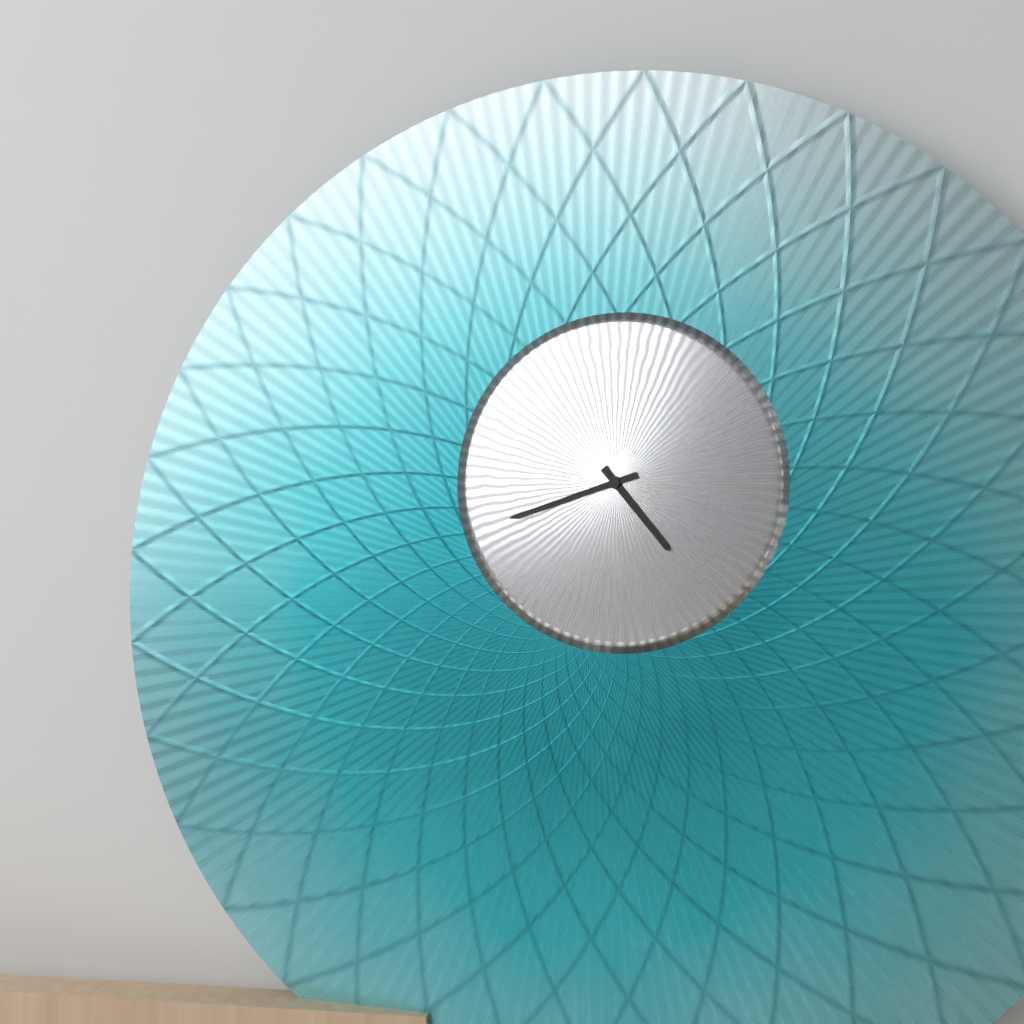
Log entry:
h=4 m=42
